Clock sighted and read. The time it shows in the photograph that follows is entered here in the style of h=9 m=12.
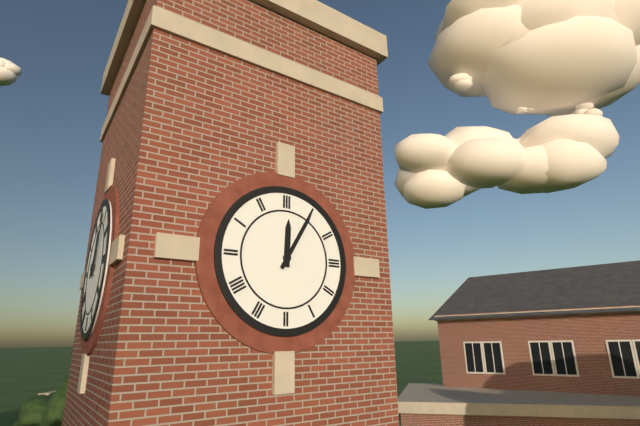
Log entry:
h=12 m=5
